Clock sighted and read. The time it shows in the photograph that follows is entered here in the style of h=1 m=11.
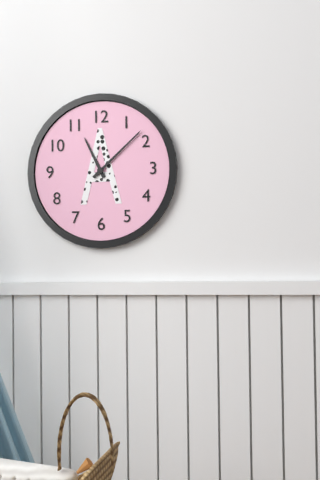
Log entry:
h=11 m=8
